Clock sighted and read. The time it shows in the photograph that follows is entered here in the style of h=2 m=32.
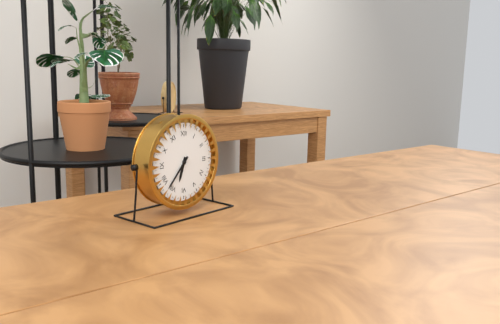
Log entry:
h=6 m=37
